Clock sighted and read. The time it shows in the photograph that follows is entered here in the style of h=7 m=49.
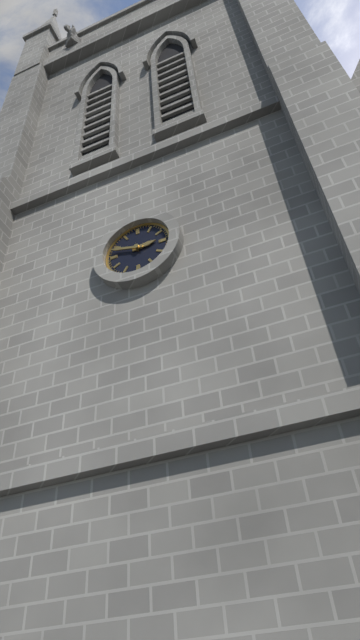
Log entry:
h=2 m=48
